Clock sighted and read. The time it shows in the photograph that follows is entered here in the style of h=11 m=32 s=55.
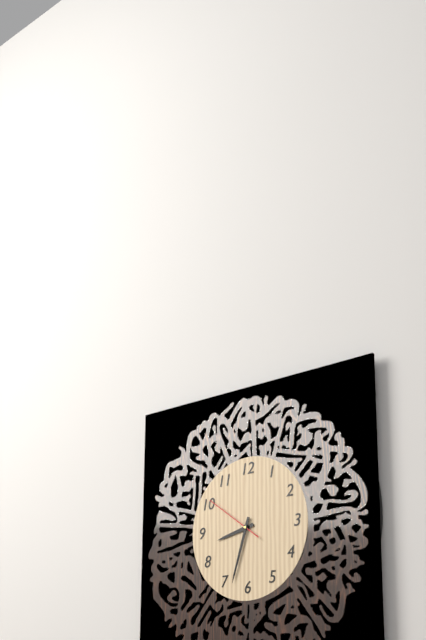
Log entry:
h=8 m=33 s=51
